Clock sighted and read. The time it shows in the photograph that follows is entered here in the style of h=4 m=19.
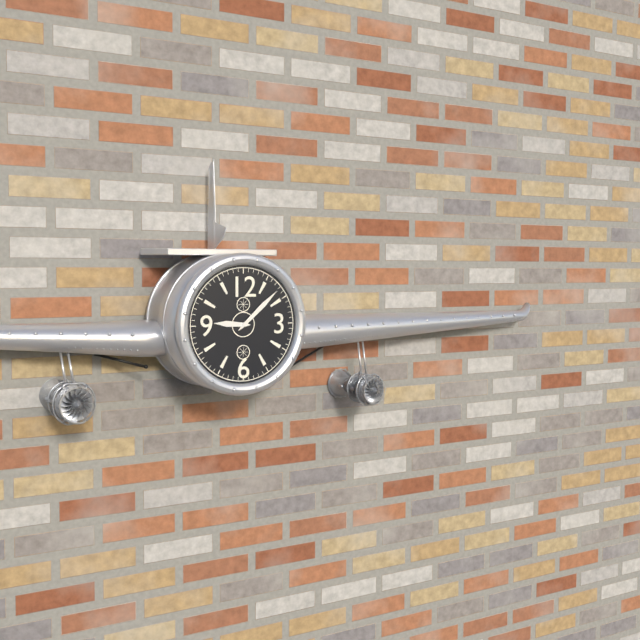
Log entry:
h=9 m=8
